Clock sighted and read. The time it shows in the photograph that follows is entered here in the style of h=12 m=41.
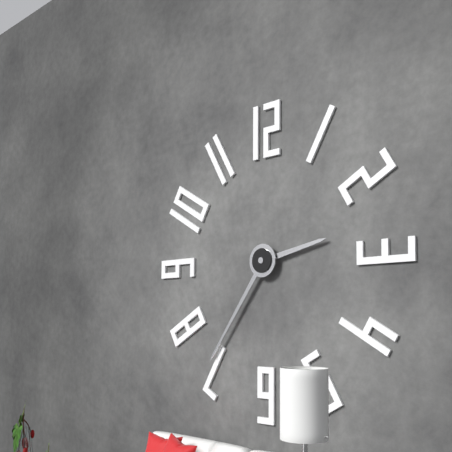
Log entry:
h=2 m=36
